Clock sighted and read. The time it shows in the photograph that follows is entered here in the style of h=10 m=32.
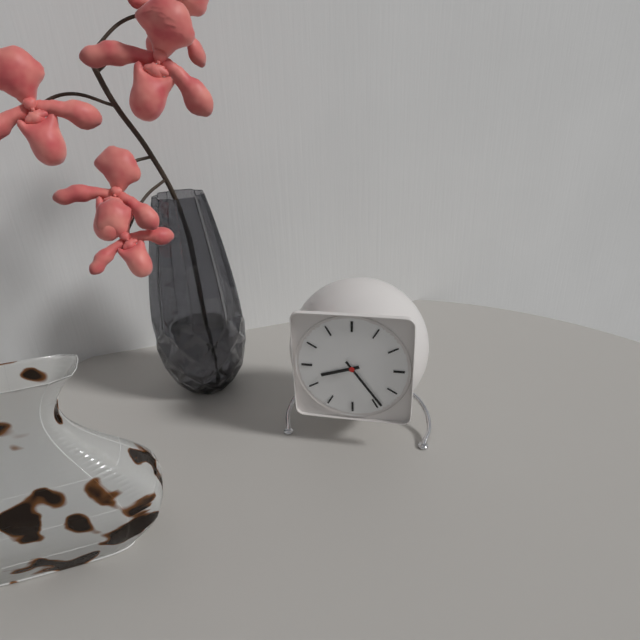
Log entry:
h=8 m=24
